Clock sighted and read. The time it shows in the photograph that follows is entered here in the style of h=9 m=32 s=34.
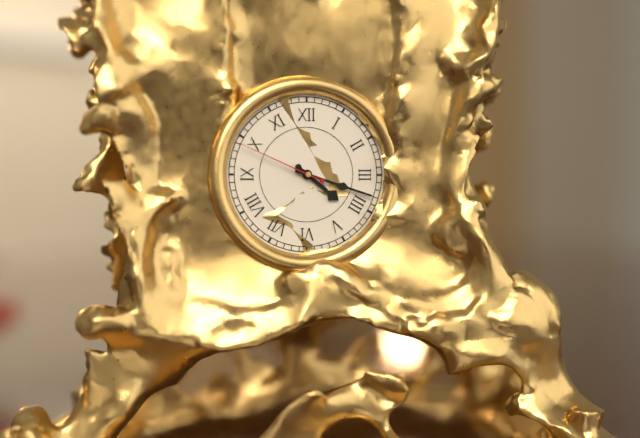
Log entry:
h=4 m=18 s=49
